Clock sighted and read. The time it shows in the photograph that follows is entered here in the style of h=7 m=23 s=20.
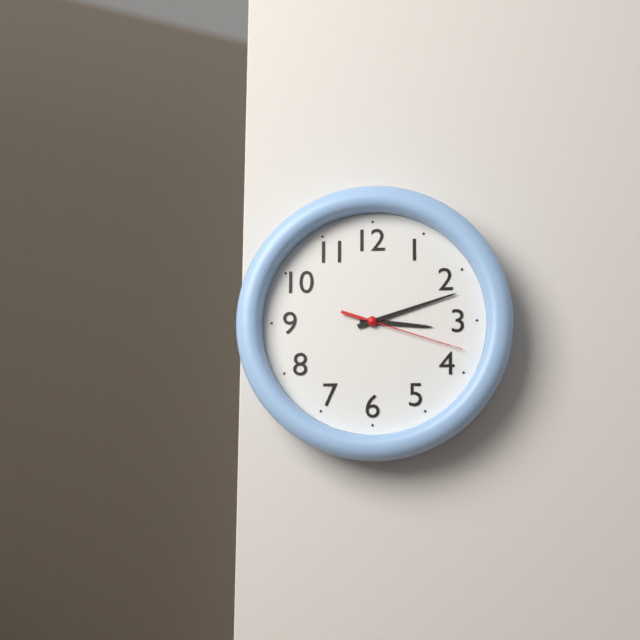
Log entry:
h=3 m=12 s=18
